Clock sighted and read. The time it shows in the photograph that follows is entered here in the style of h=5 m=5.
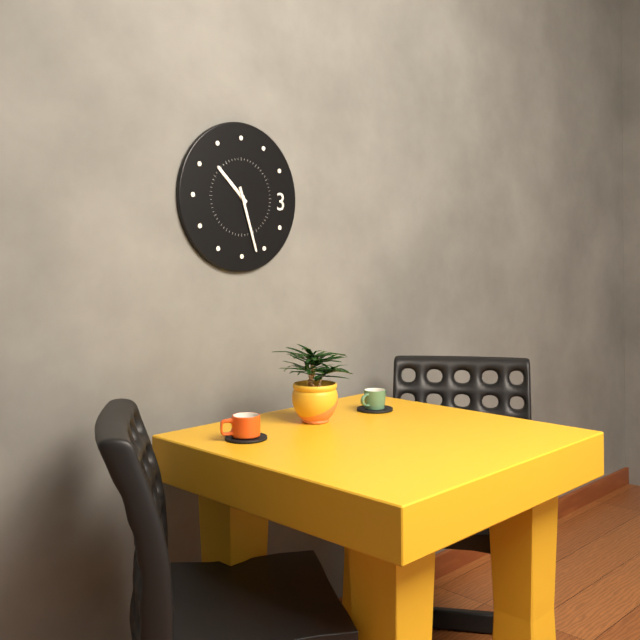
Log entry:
h=10 m=27
